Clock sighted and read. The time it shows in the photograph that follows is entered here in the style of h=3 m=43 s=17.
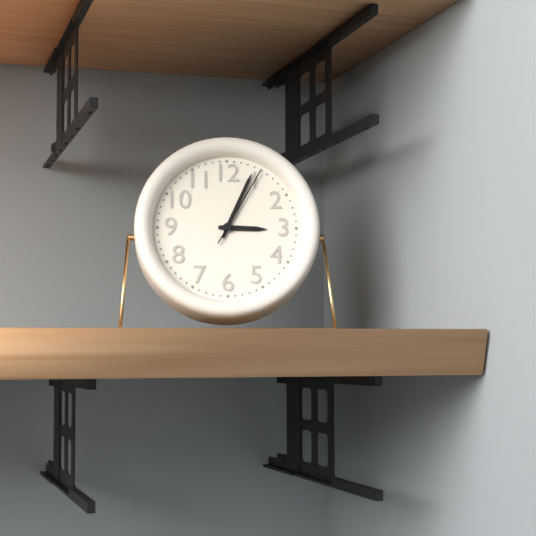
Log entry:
h=3 m=4 s=5
